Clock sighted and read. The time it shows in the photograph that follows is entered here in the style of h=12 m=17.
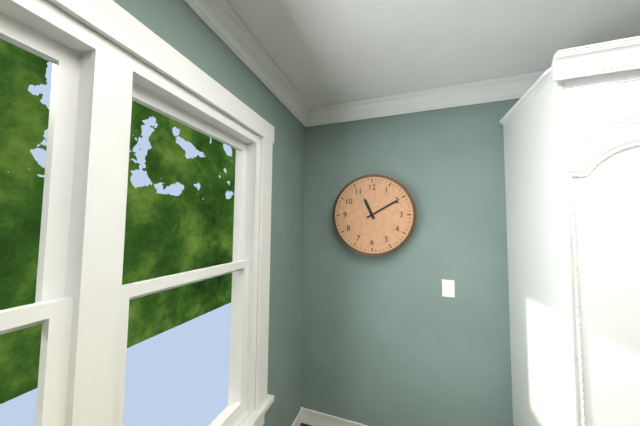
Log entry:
h=11 m=10
